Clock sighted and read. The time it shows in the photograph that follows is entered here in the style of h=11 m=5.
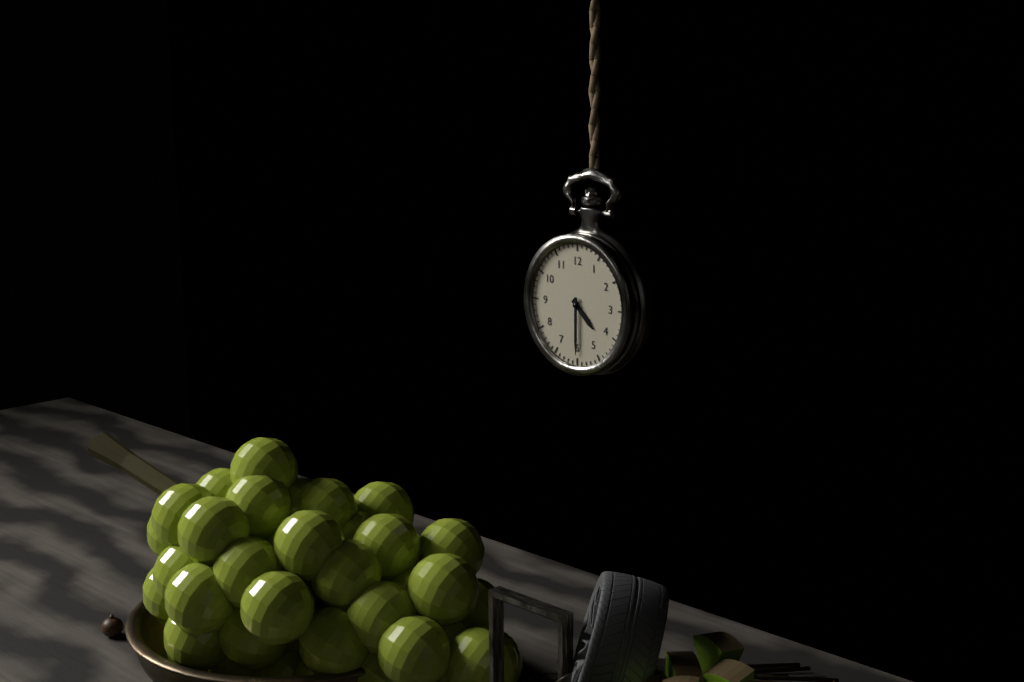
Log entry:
h=4 m=30
